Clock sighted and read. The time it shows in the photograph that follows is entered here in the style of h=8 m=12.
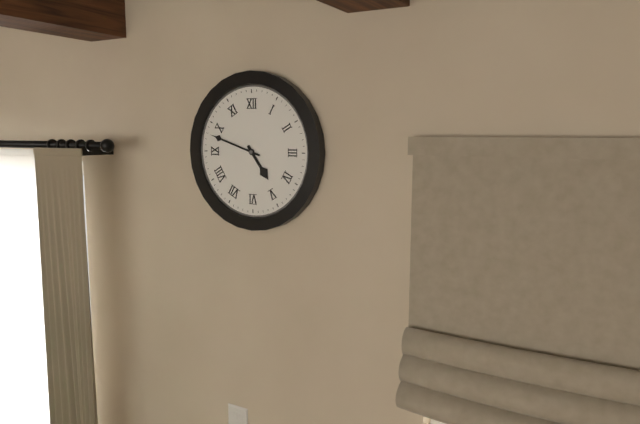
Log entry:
h=4 m=48
